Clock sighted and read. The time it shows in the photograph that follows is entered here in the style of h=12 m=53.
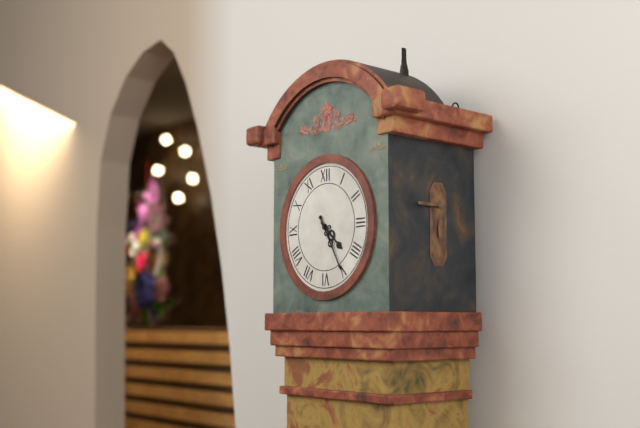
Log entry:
h=4 m=25
